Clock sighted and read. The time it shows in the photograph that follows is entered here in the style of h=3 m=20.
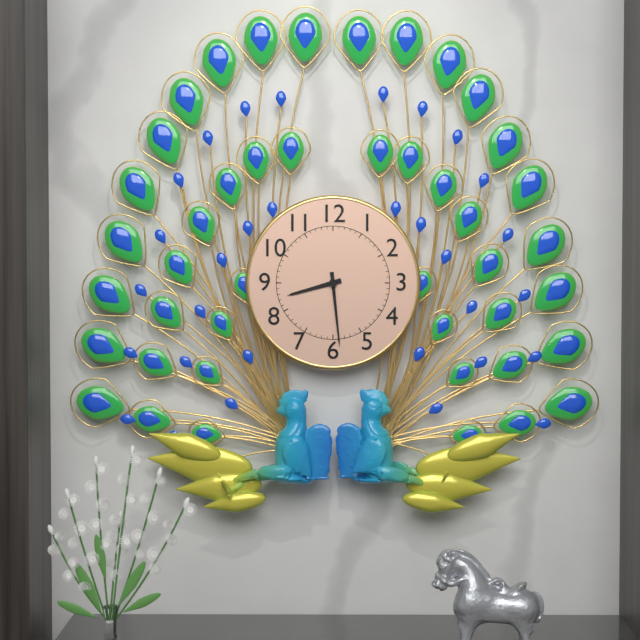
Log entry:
h=8 m=29
